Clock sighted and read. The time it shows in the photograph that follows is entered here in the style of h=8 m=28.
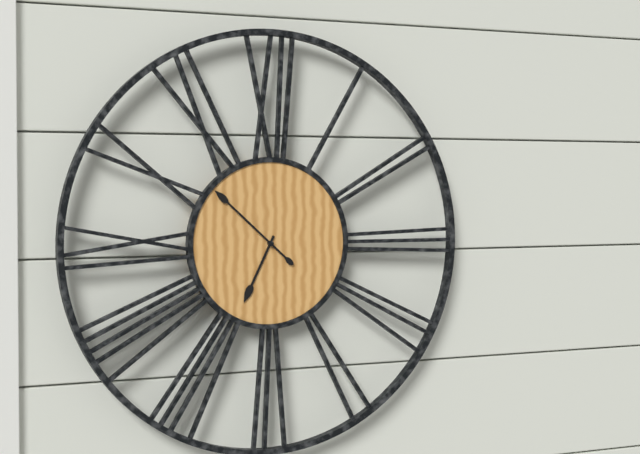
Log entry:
h=6 m=52
